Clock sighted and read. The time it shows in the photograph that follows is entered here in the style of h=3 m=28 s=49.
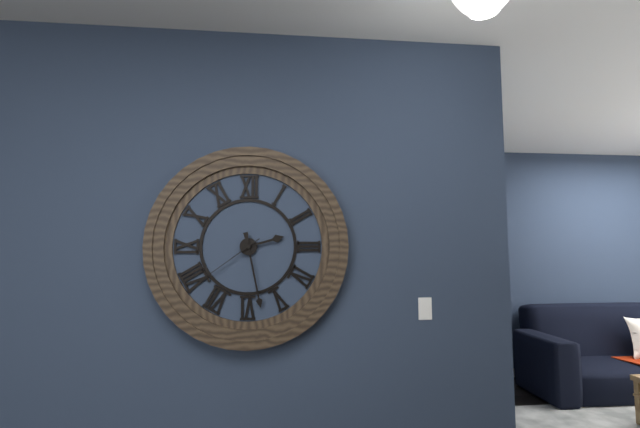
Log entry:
h=2 m=28 s=39
